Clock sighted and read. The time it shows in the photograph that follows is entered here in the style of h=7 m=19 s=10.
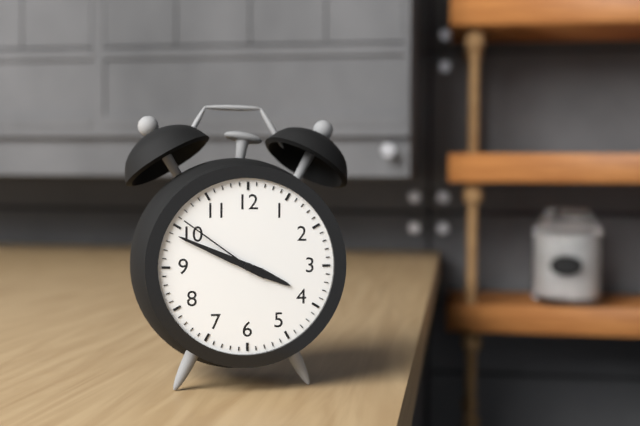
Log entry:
h=3 m=49 s=51
